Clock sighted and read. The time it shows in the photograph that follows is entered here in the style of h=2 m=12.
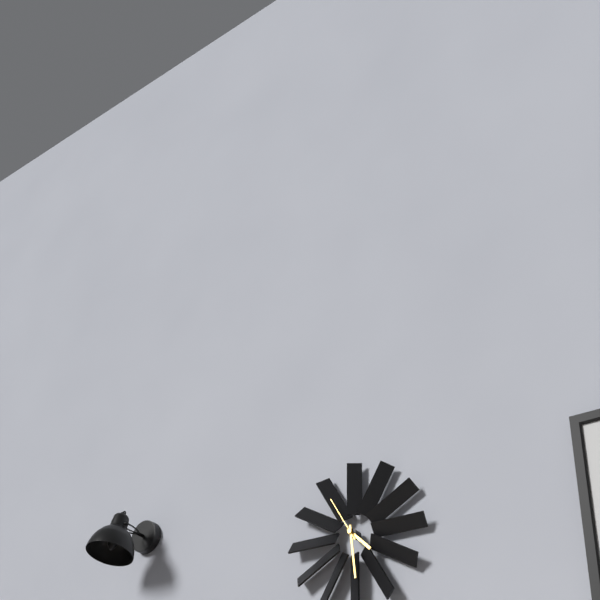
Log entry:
h=4 m=29
